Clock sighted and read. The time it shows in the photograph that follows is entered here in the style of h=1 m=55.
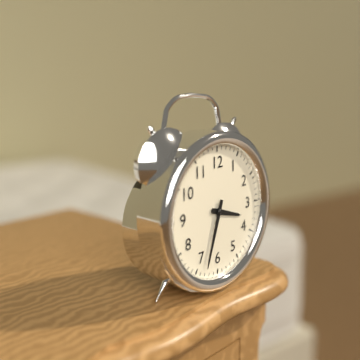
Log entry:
h=3 m=33
